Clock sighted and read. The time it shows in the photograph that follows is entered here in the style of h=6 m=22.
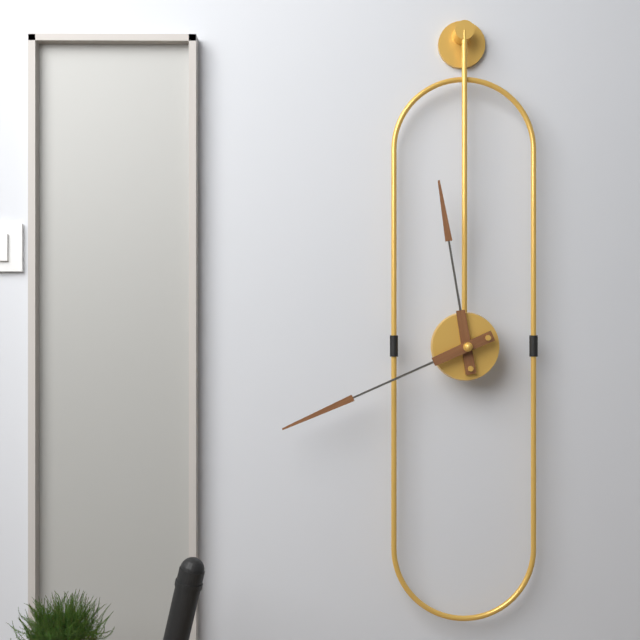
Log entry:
h=11 m=41
